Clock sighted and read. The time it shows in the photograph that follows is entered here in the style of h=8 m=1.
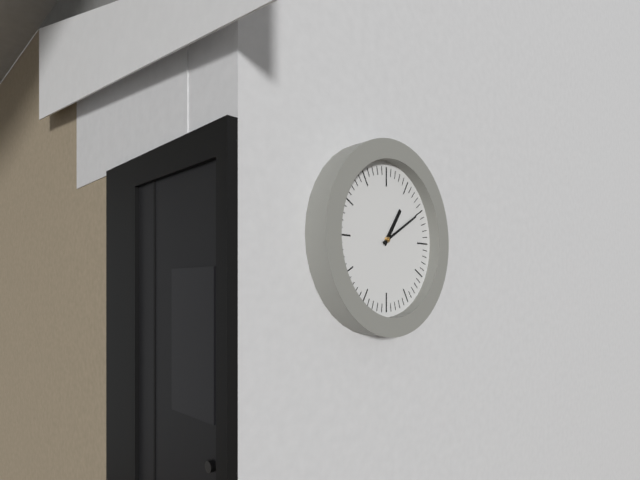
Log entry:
h=1 m=10
